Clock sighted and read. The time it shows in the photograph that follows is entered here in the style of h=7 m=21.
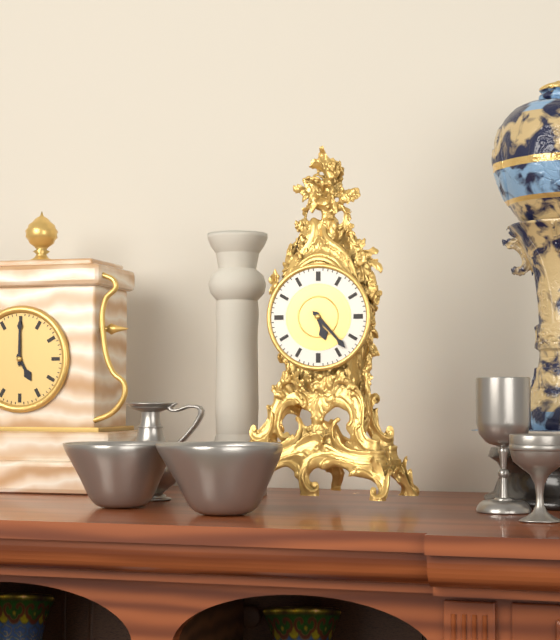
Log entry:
h=5 m=23
